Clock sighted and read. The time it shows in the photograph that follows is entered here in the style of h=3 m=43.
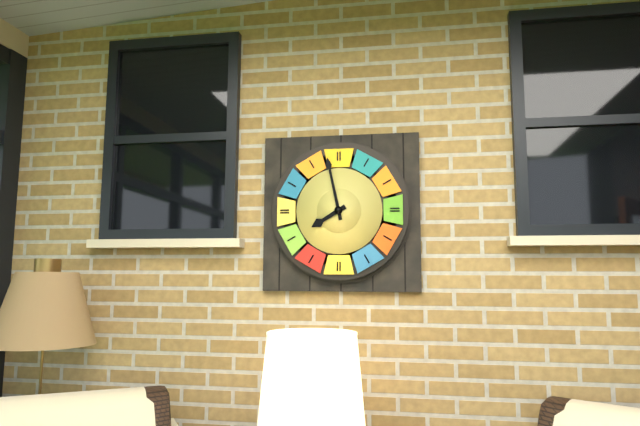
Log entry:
h=7 m=58
